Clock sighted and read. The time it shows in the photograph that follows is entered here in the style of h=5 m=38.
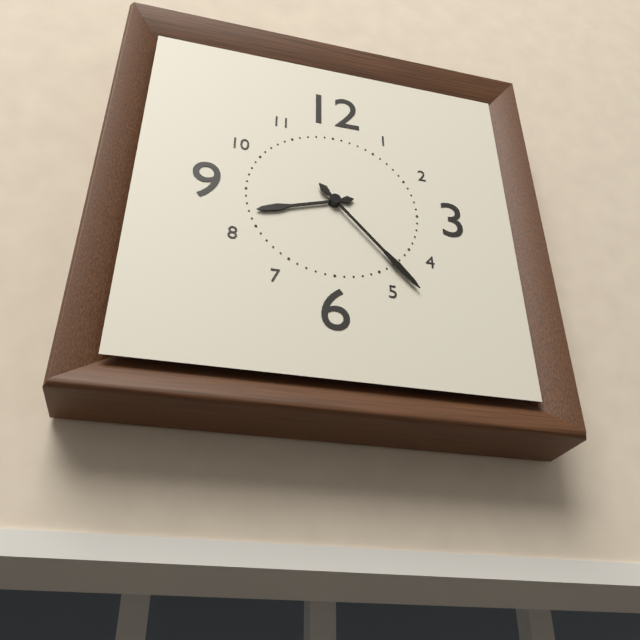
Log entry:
h=8 m=23
